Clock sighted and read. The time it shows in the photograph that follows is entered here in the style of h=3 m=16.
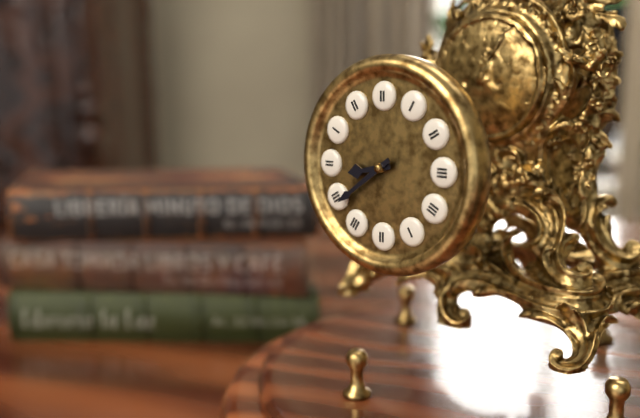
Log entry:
h=8 m=39
